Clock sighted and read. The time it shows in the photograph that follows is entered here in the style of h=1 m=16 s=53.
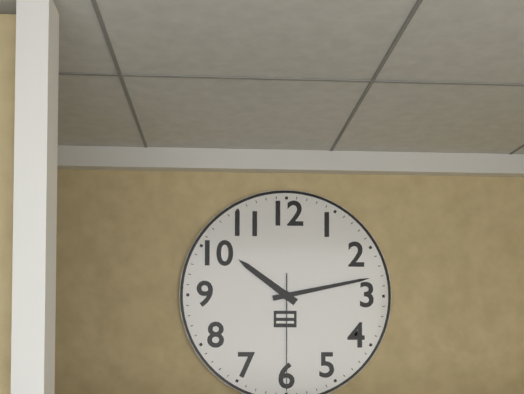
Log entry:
h=10 m=13 s=30
